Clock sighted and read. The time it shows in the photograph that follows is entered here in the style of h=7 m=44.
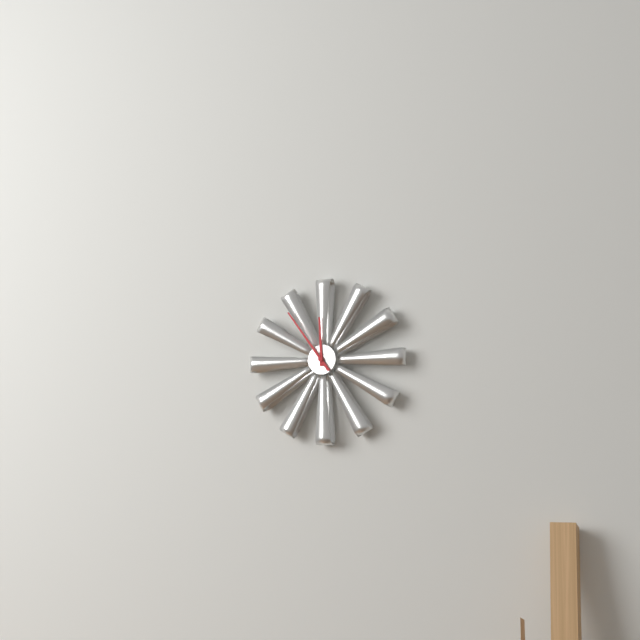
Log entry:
h=11 m=54
